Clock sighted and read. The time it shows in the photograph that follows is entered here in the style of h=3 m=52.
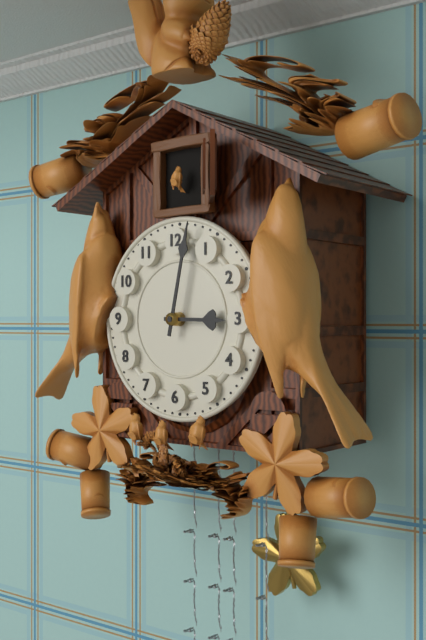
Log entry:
h=3 m=2
